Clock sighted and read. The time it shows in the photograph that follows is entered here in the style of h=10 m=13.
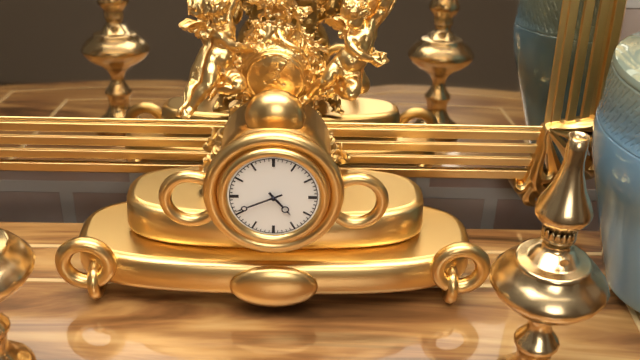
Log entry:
h=4 m=41
